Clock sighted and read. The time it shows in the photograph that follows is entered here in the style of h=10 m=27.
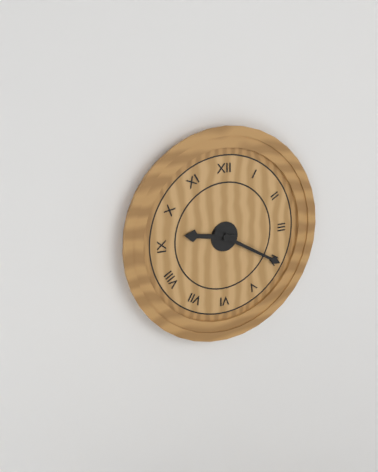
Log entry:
h=9 m=20
